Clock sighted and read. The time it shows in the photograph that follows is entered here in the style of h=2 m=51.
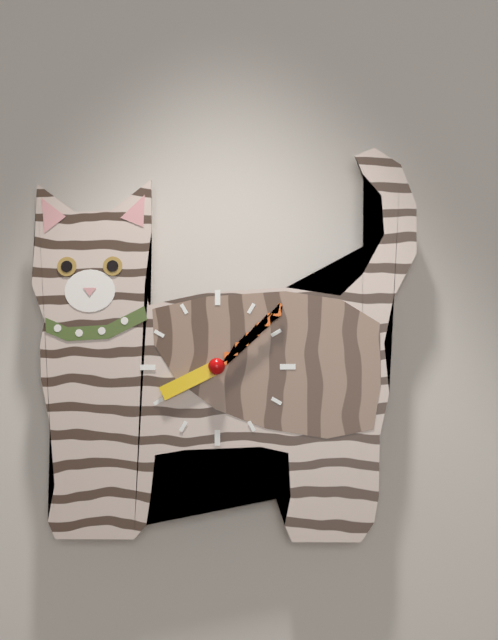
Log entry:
h=8 m=8
